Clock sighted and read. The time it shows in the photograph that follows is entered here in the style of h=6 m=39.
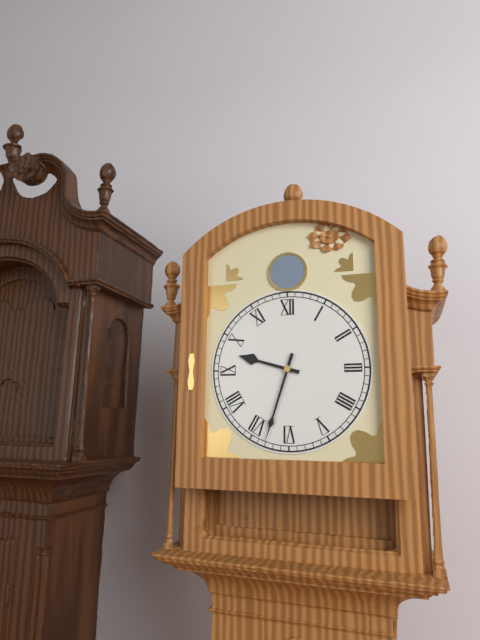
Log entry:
h=9 m=33
